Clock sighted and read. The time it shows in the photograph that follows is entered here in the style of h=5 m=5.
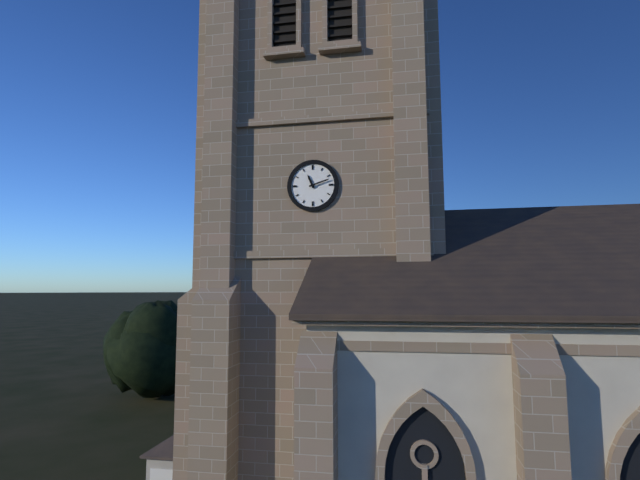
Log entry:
h=11 m=12
